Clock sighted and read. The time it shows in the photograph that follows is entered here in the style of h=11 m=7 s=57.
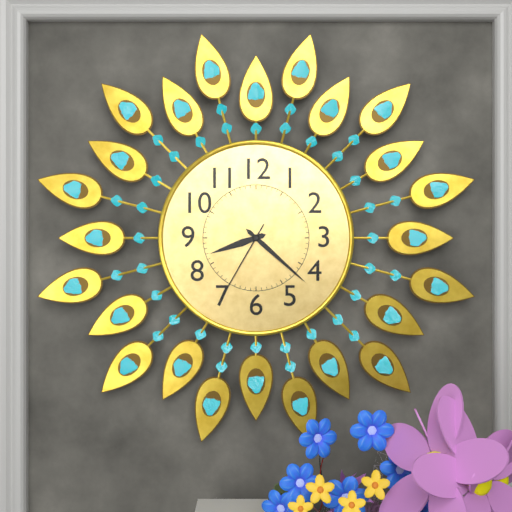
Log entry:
h=8 m=22 s=35
